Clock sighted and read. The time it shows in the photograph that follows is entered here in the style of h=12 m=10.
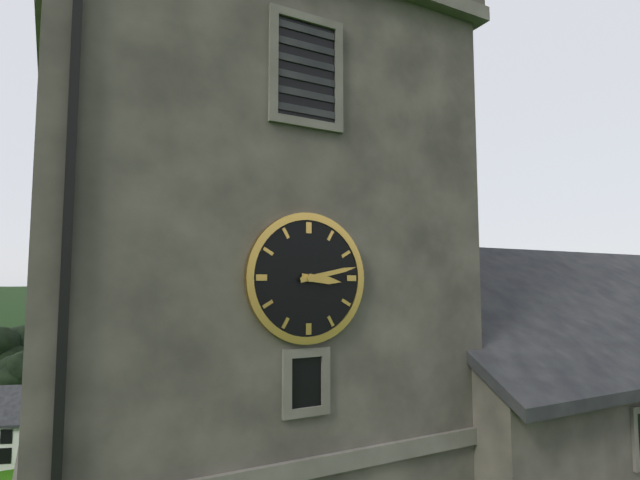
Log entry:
h=3 m=13
